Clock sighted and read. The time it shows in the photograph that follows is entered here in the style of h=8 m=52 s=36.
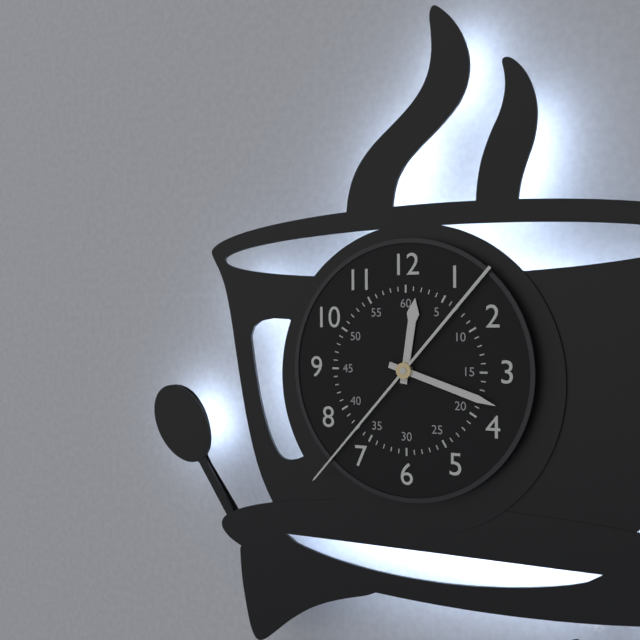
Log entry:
h=12 m=18 s=37
